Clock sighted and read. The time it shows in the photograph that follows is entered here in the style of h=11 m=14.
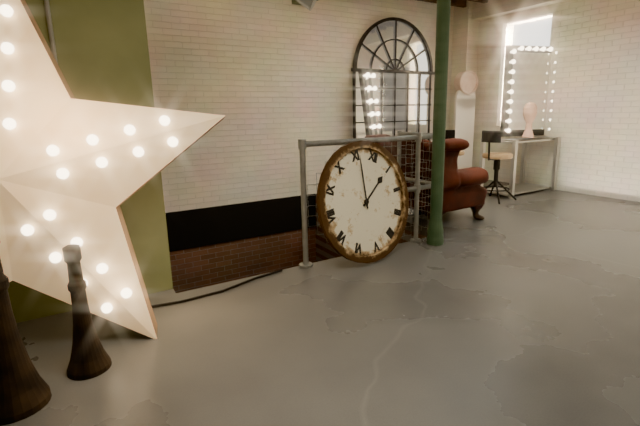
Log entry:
h=12 m=56
